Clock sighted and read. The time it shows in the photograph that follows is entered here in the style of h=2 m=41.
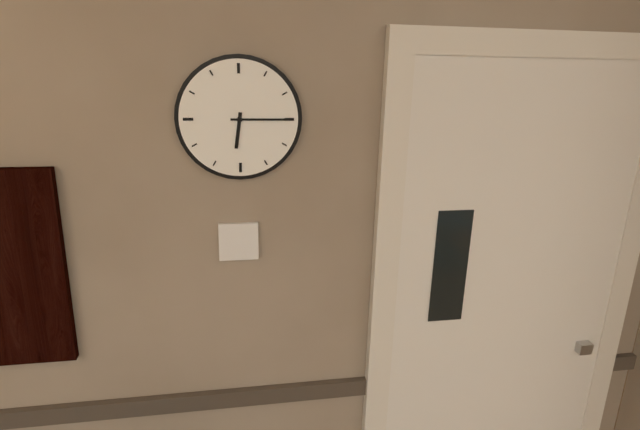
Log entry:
h=6 m=15
